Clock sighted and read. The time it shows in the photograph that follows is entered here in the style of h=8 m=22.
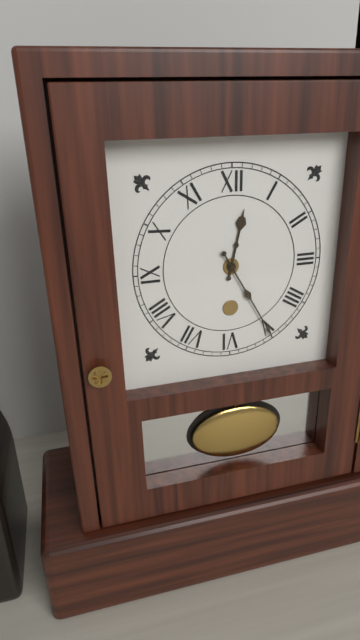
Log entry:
h=12 m=25
